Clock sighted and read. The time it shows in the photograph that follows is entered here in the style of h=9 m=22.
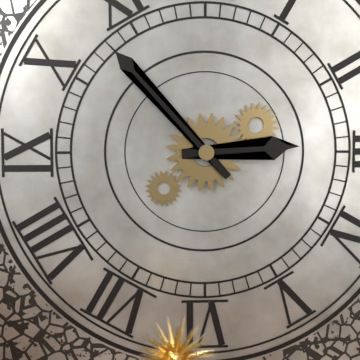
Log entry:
h=2 m=53
